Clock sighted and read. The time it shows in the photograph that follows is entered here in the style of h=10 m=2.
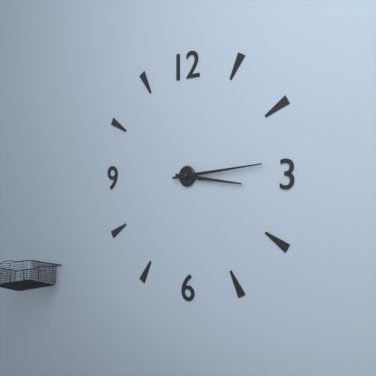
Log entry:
h=3 m=14
